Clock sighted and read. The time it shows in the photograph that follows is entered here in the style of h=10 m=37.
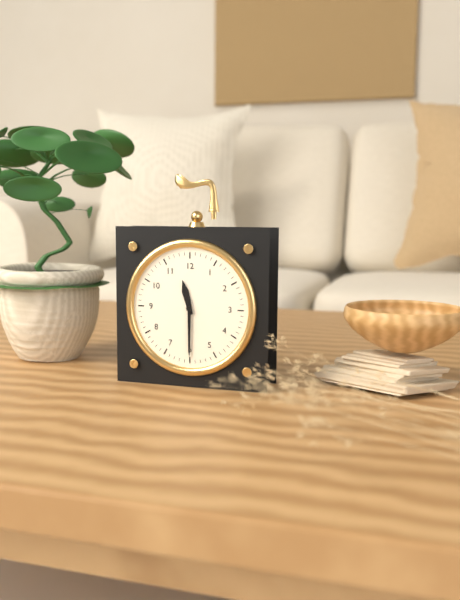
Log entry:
h=11 m=30
